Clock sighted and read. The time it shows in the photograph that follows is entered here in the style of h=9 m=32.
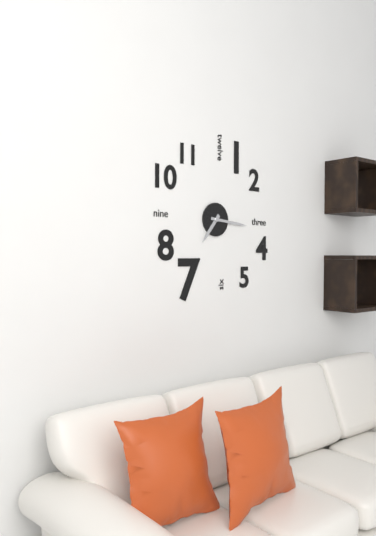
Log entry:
h=7 m=16
